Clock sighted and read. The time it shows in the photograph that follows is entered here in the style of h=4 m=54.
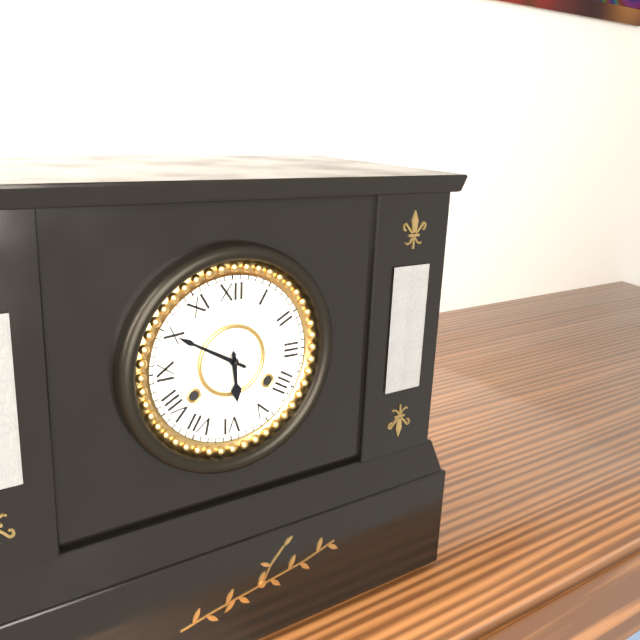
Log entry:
h=5 m=50
